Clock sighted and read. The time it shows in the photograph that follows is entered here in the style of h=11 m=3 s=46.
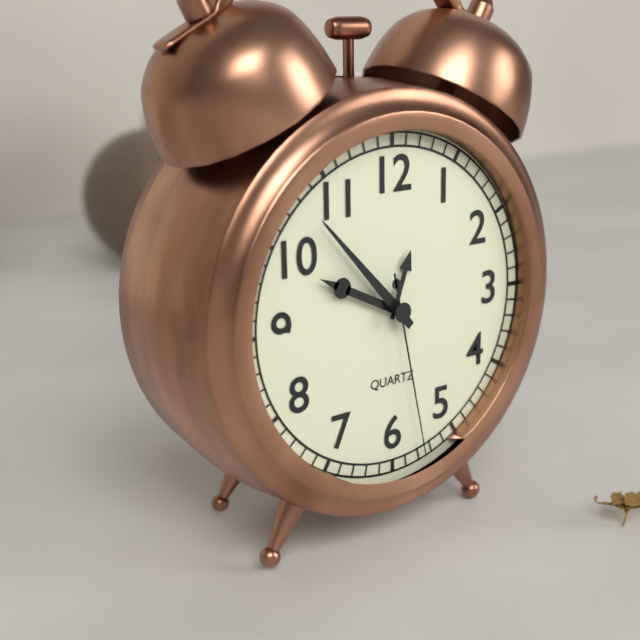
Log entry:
h=9 m=53 s=28
